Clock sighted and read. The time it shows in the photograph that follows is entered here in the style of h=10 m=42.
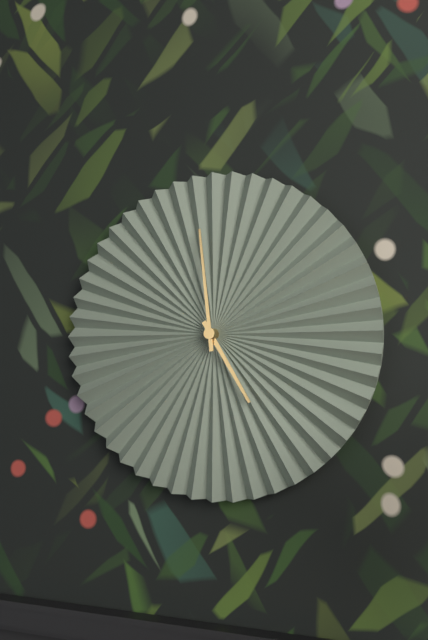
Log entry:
h=4 m=59
